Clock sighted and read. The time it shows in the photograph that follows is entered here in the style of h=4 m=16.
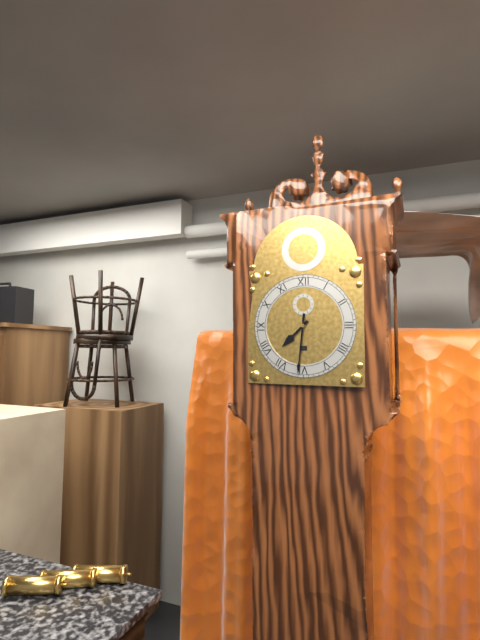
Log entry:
h=7 m=31
